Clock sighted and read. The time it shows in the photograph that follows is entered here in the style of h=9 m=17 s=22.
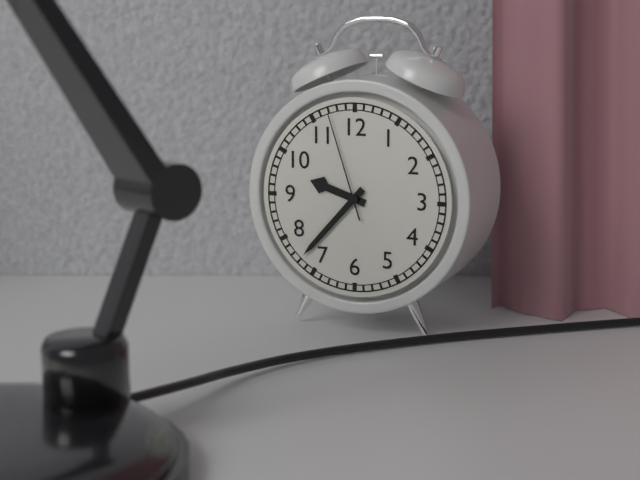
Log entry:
h=9 m=37 s=57
